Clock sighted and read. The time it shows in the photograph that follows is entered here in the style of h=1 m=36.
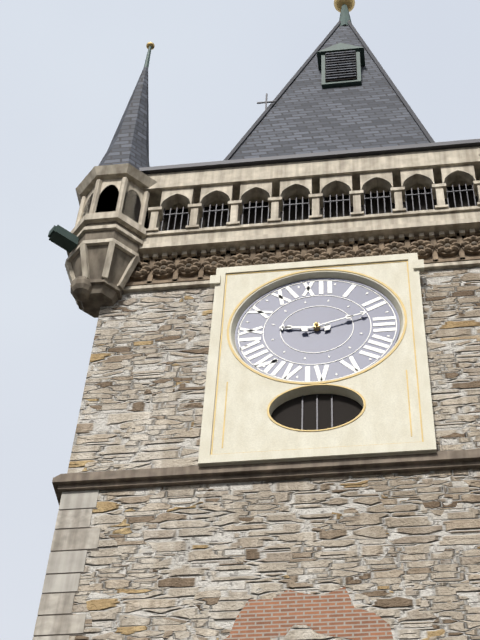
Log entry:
h=9 m=12
